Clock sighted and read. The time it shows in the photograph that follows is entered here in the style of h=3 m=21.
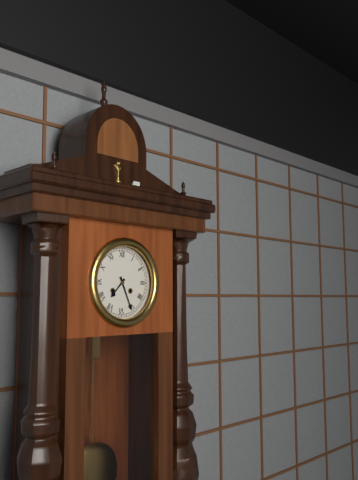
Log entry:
h=7 m=26
